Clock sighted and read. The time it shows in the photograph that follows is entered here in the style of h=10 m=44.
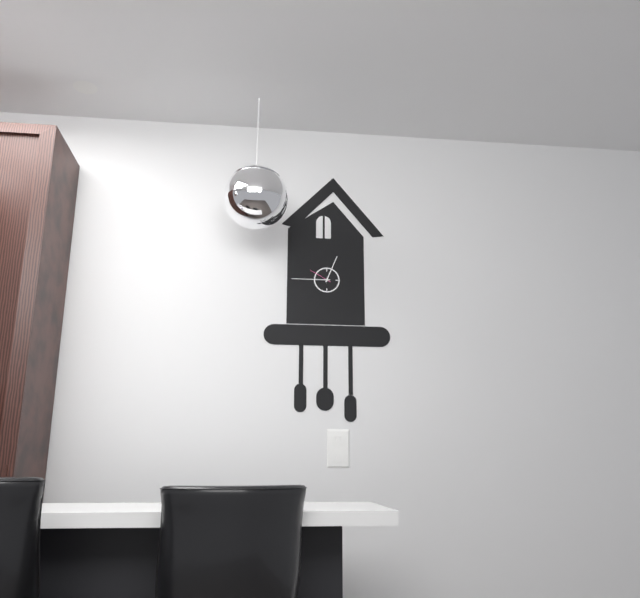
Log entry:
h=12 m=45
